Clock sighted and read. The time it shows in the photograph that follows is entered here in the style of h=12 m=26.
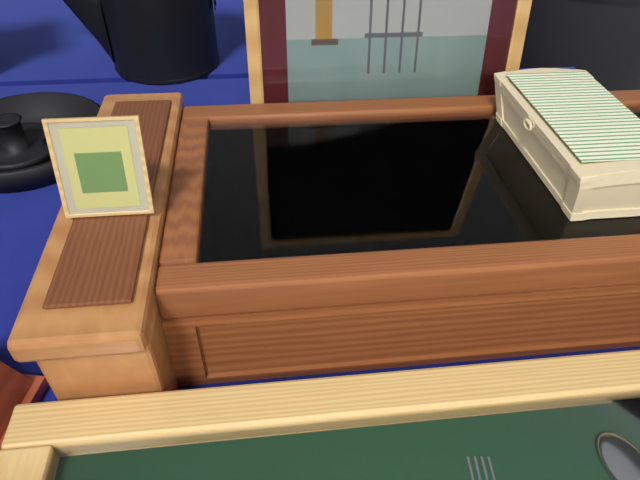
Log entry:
h=9 m=40
